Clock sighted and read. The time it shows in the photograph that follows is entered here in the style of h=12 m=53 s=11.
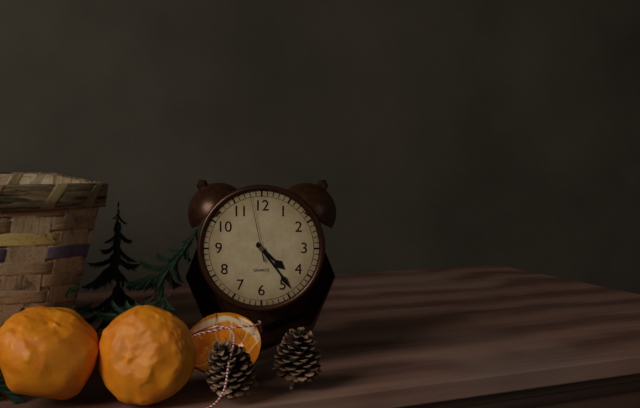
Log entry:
h=4 m=24 s=58
